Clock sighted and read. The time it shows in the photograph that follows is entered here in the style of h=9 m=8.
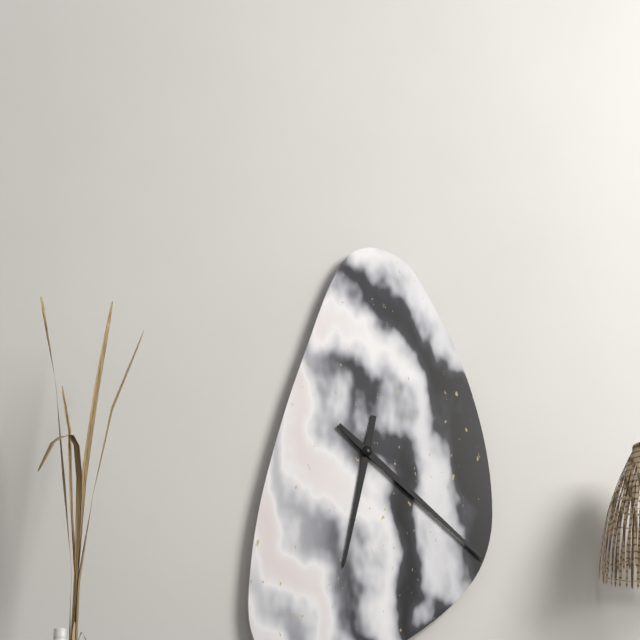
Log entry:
h=6 m=22
